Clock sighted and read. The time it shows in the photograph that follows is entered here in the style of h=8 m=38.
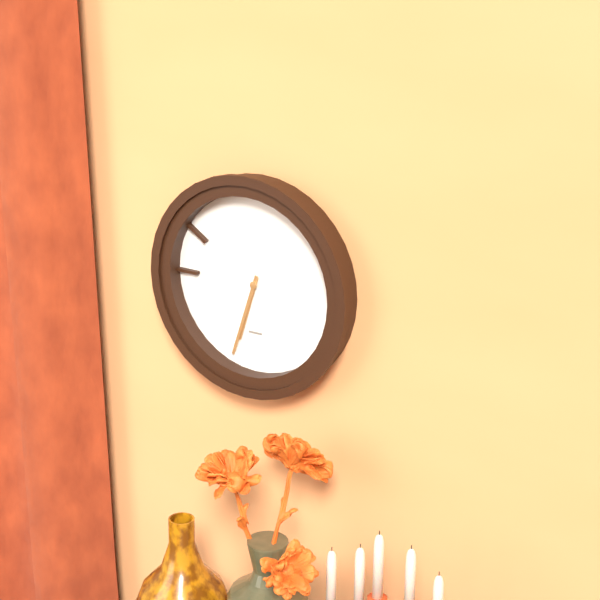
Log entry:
h=6 m=33
